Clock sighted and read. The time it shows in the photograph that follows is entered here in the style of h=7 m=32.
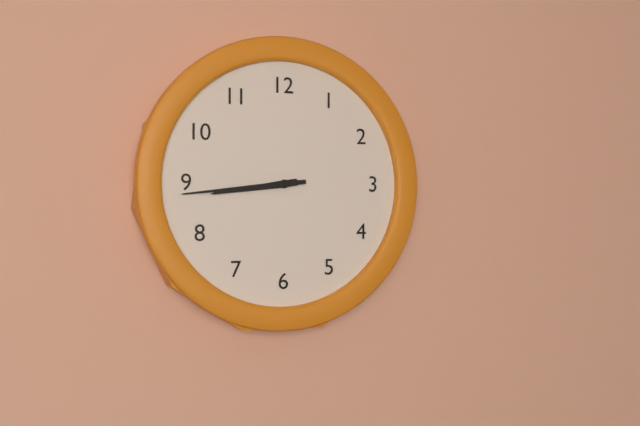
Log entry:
h=8 m=44
